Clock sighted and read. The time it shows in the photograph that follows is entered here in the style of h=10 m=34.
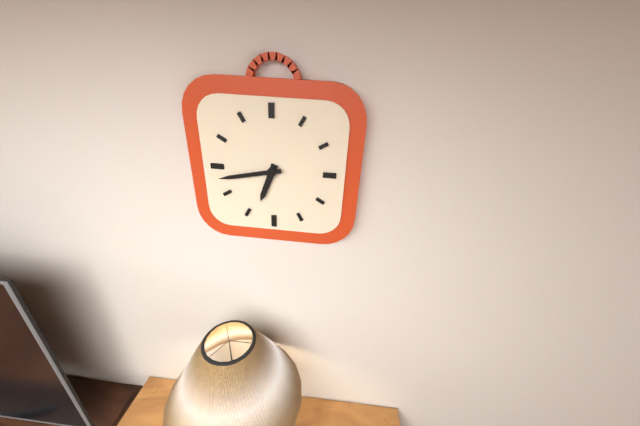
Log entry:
h=6 m=43
